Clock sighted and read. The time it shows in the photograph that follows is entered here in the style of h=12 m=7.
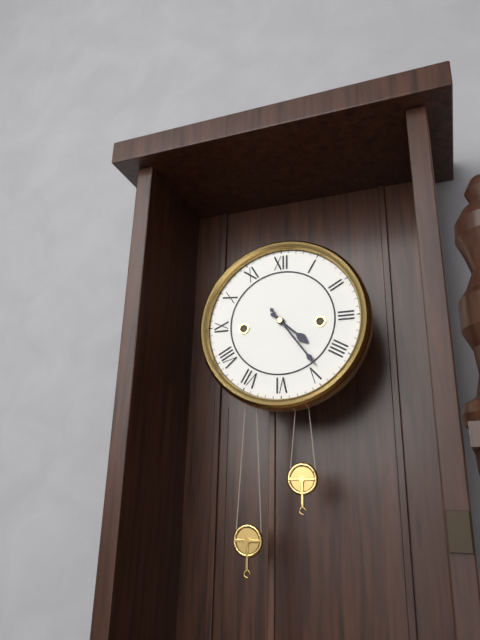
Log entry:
h=4 m=24
